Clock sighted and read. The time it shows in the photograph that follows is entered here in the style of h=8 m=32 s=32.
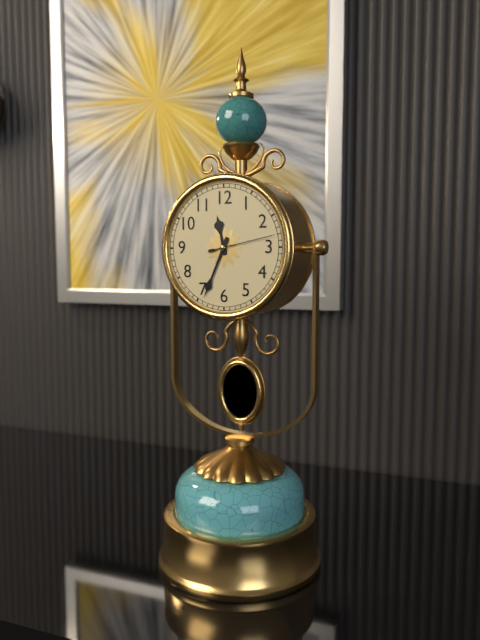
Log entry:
h=11 m=34 s=13
